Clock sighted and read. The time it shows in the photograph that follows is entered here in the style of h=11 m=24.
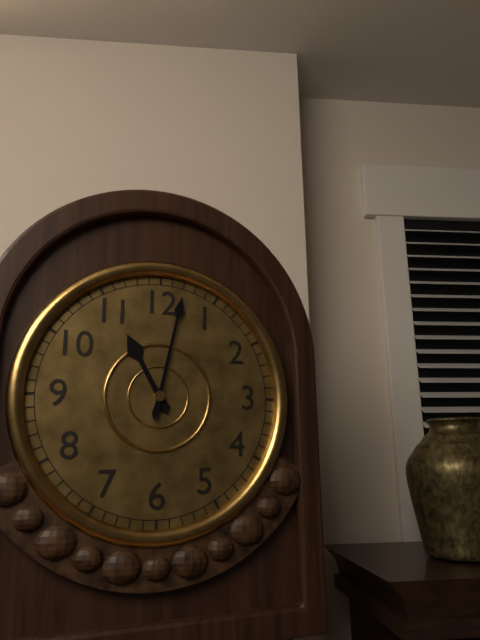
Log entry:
h=11 m=2
